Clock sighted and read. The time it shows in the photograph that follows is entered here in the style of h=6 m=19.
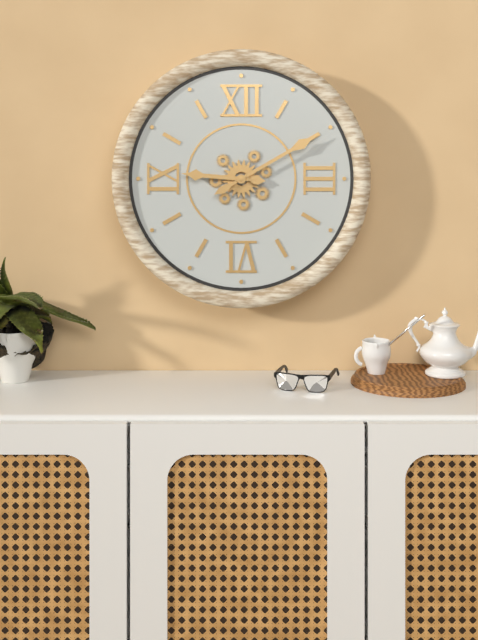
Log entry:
h=9 m=10
